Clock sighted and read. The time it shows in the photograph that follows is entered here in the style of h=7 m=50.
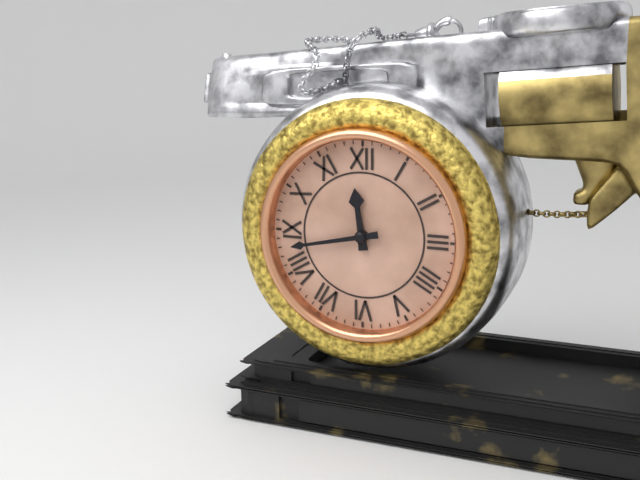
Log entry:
h=11 m=43
